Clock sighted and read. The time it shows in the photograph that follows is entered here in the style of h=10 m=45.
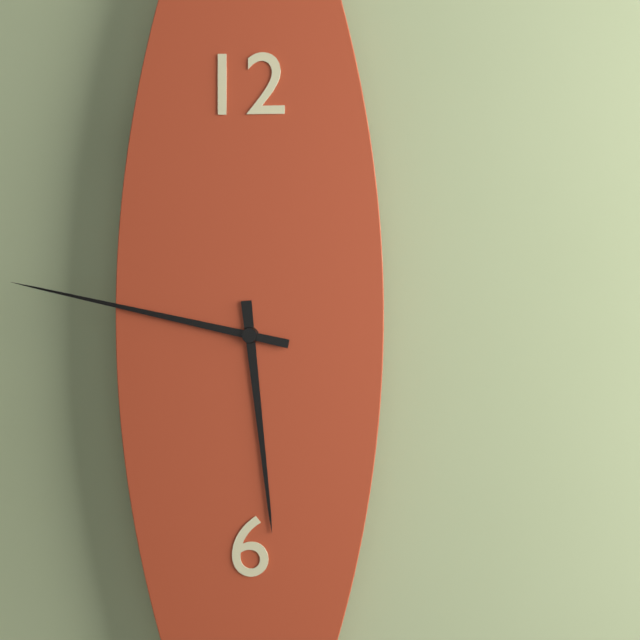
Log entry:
h=5 m=47
